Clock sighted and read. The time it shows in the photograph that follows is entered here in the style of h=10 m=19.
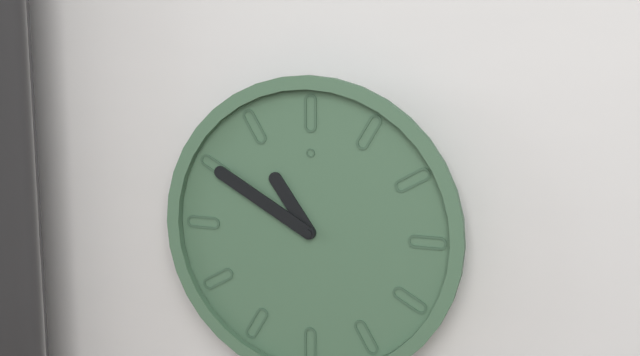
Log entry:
h=10 m=50
